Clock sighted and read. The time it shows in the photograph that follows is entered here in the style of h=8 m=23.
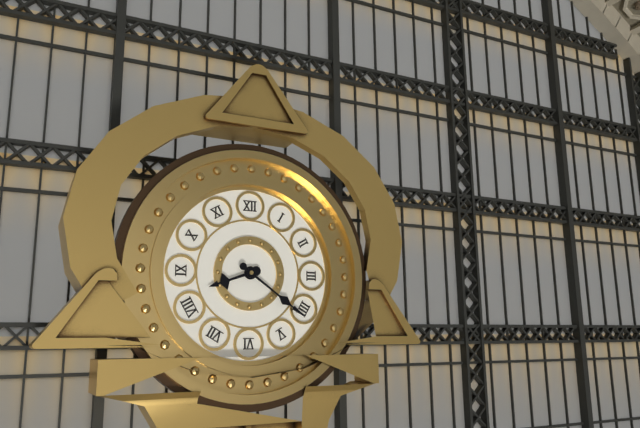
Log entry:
h=8 m=21
